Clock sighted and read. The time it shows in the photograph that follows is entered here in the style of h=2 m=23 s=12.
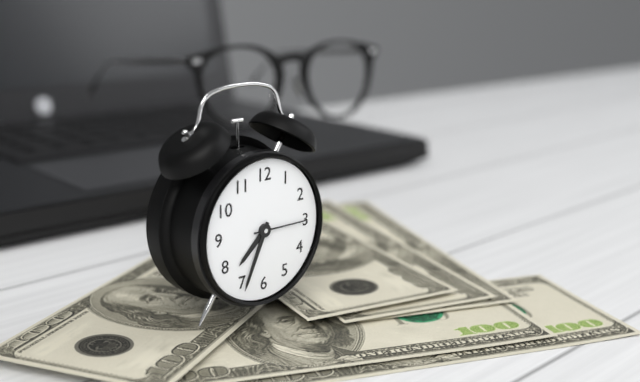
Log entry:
h=7 m=34 s=15
